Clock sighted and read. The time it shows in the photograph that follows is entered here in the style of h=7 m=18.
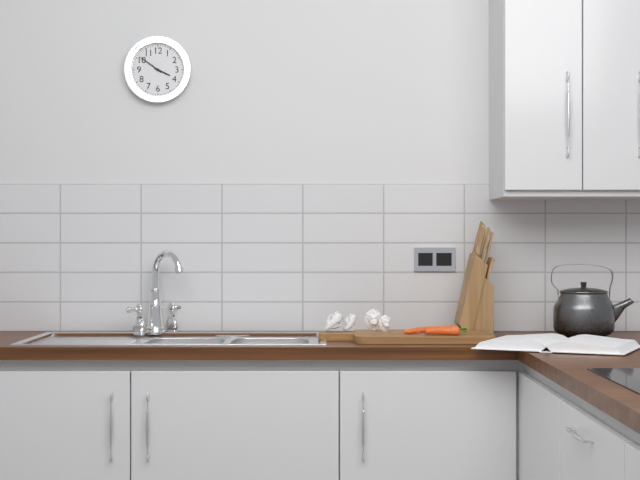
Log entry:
h=3 m=51
